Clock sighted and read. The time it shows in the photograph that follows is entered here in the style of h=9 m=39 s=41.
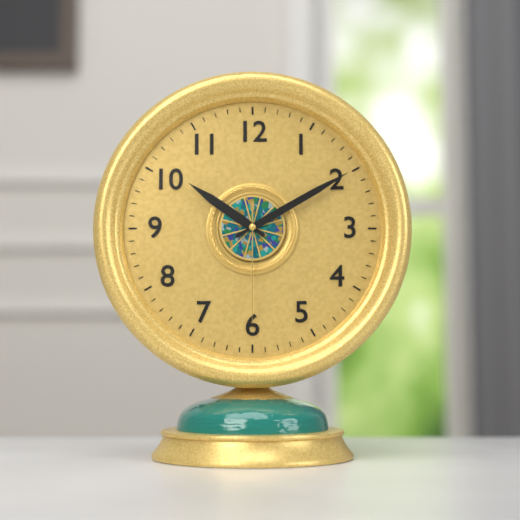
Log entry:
h=10 m=10 s=30
